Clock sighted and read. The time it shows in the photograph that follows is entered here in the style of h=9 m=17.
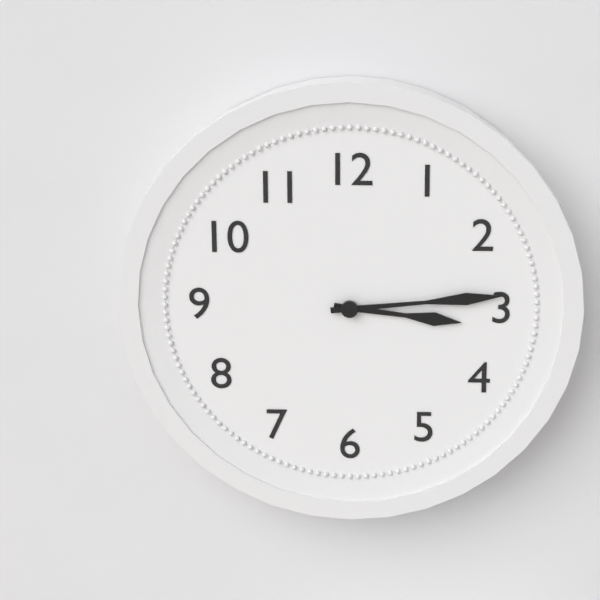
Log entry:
h=3 m=14
